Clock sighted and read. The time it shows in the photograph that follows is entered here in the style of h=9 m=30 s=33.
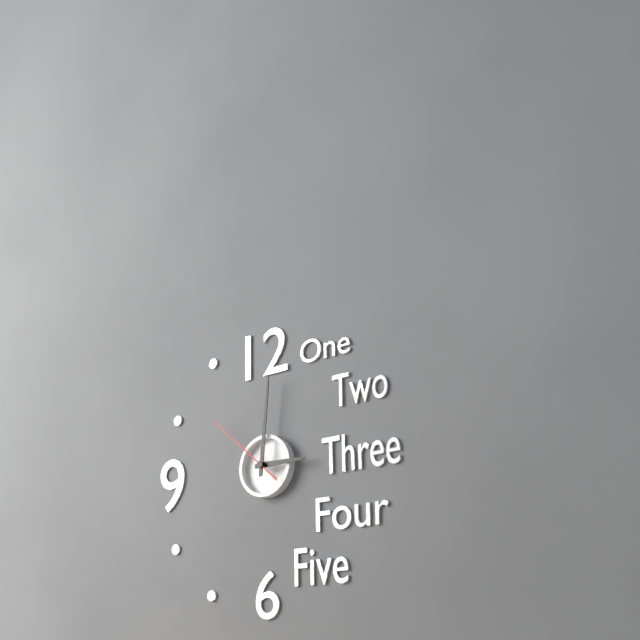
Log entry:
h=3 m=1 s=52
